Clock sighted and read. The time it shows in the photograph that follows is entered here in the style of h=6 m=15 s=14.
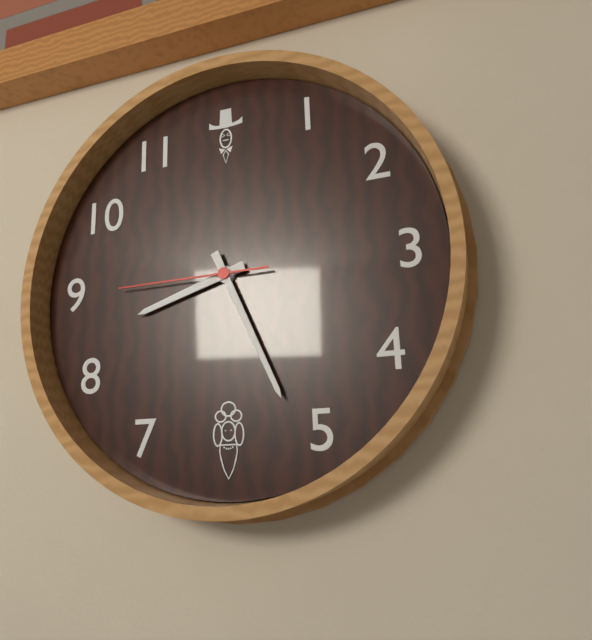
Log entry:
h=8 m=26 s=45
